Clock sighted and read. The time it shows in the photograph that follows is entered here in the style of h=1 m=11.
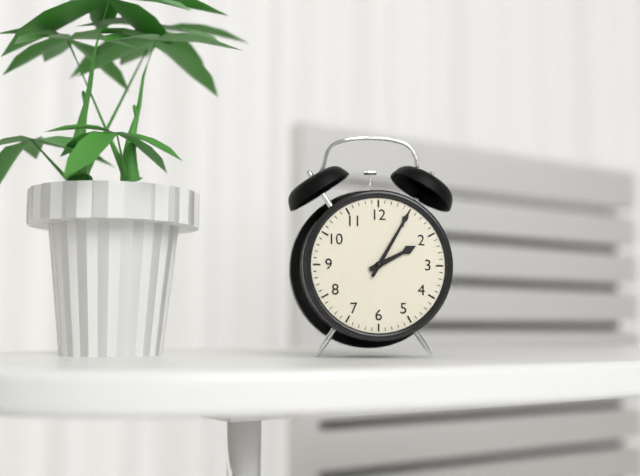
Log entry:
h=2 m=5
